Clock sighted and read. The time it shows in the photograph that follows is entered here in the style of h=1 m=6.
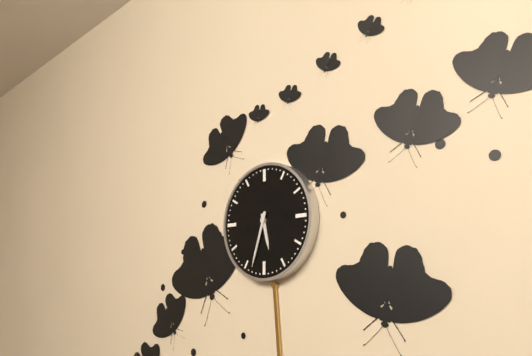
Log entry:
h=5 m=33
